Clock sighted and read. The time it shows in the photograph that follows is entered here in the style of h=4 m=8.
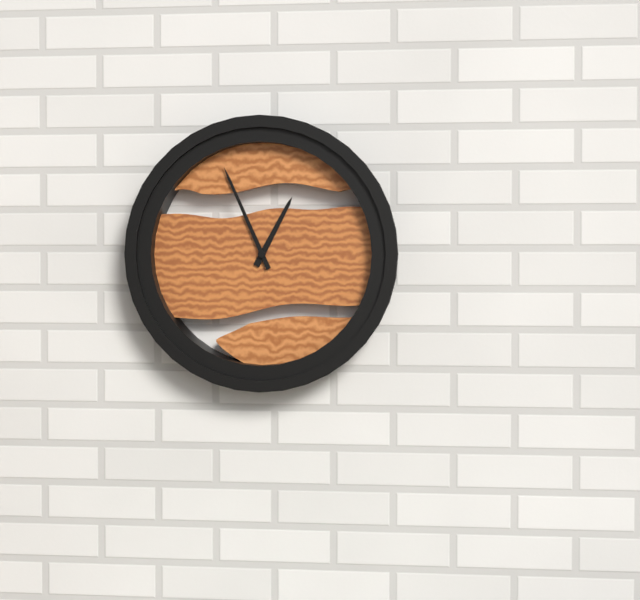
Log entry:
h=12 m=56
